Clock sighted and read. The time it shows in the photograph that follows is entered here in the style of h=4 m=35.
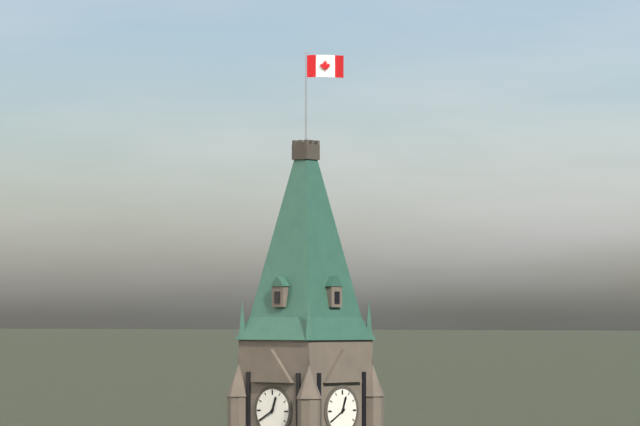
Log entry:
h=12 m=40
